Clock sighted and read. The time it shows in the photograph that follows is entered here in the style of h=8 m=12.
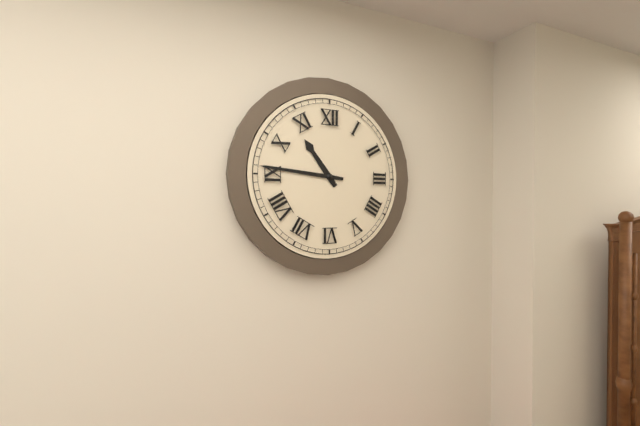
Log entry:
h=10 m=46
